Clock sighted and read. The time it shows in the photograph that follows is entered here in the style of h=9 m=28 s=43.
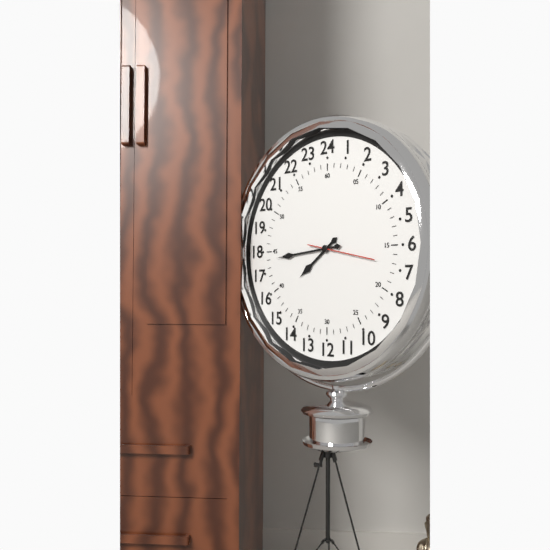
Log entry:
h=7 m=44 s=17
